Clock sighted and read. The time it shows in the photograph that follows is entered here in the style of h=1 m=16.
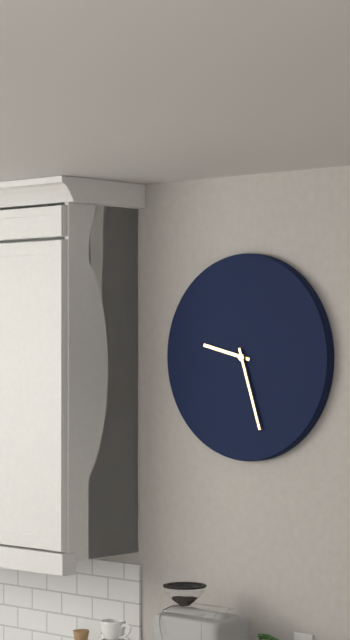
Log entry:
h=9 m=27
